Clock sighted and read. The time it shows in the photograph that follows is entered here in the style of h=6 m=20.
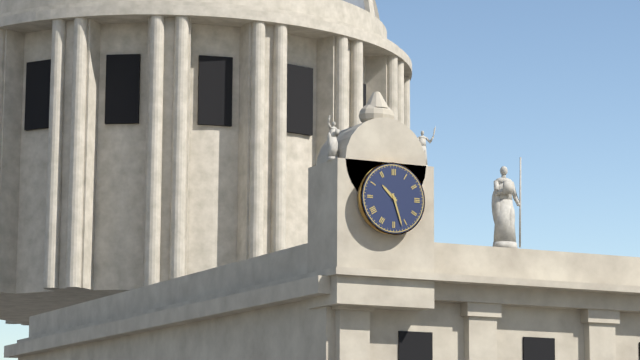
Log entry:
h=10 m=27
